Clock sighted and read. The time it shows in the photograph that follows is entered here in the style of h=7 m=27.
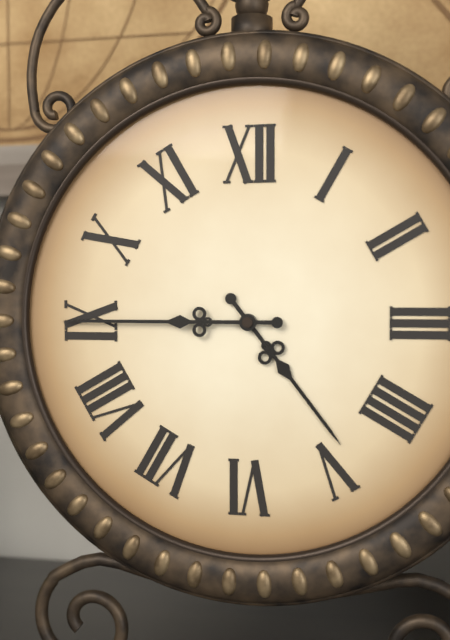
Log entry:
h=4 m=45
